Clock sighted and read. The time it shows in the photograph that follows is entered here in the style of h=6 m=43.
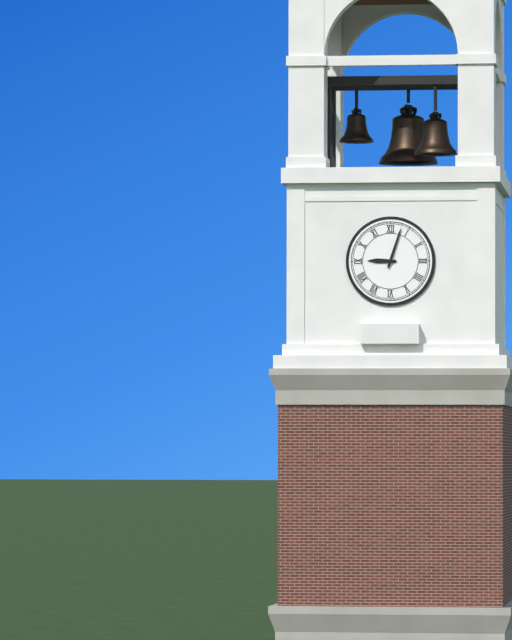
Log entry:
h=9 m=3
